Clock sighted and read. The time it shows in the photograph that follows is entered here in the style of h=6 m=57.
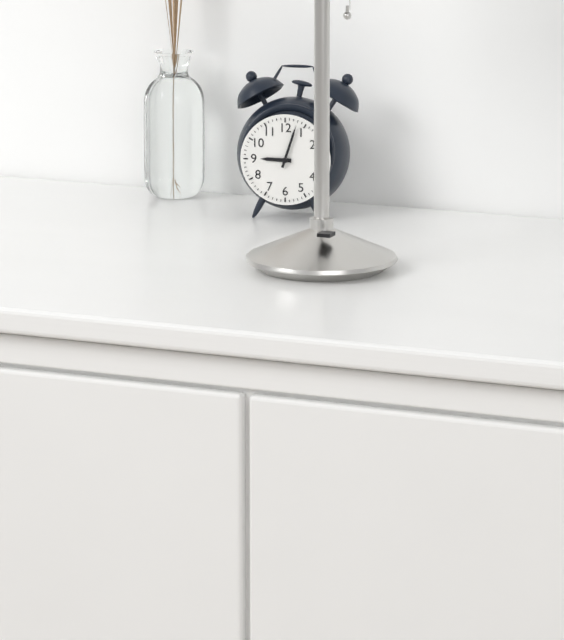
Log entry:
h=9 m=3
